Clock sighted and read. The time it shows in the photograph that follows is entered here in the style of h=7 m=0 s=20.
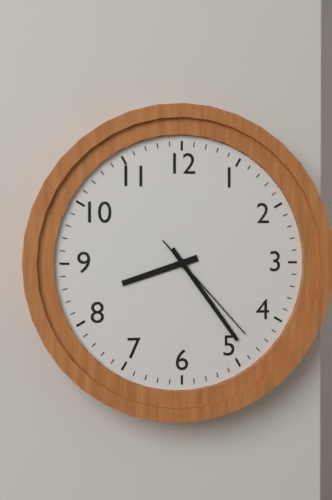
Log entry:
h=8 m=24 s=23
